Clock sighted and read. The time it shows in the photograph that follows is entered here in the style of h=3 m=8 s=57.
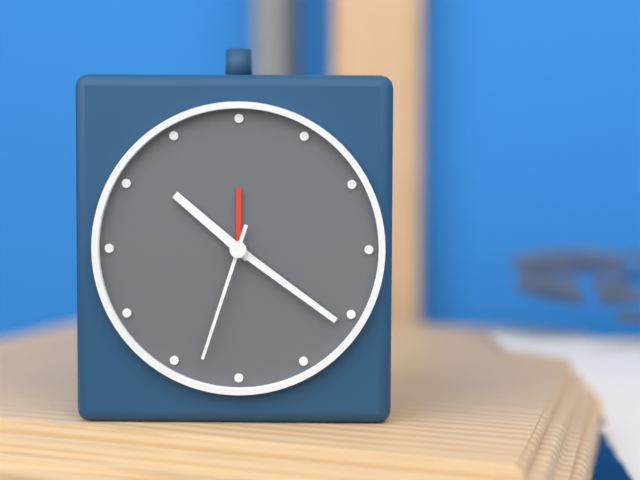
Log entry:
h=10 m=21 s=33
